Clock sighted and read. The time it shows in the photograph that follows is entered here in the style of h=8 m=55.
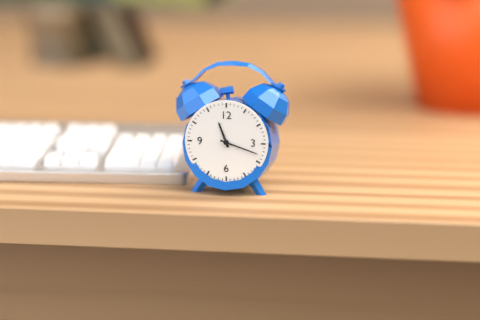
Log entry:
h=11 m=18
